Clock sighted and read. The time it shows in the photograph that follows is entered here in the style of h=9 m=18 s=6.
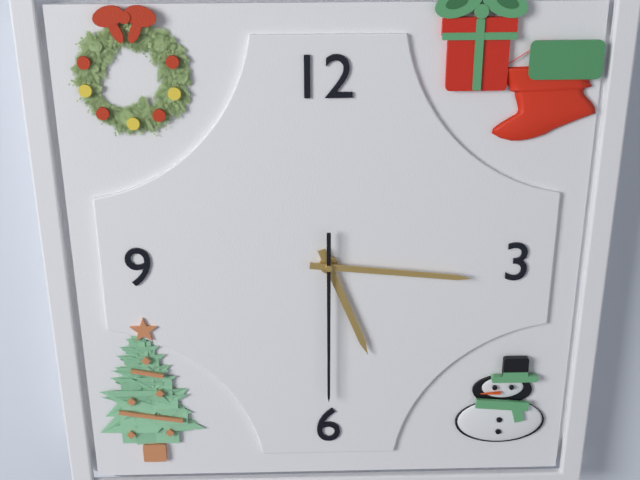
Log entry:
h=5 m=16 s=30
